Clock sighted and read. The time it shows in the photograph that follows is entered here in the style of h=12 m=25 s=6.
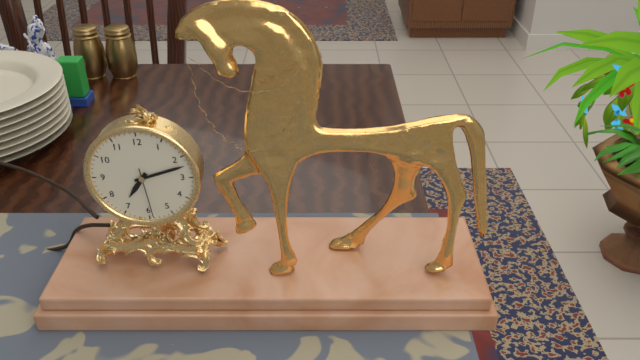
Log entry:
h=7 m=12 s=29
